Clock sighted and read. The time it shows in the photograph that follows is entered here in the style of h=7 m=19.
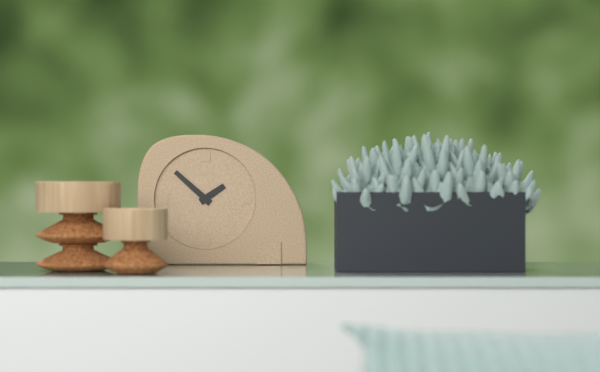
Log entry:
h=1 m=52
